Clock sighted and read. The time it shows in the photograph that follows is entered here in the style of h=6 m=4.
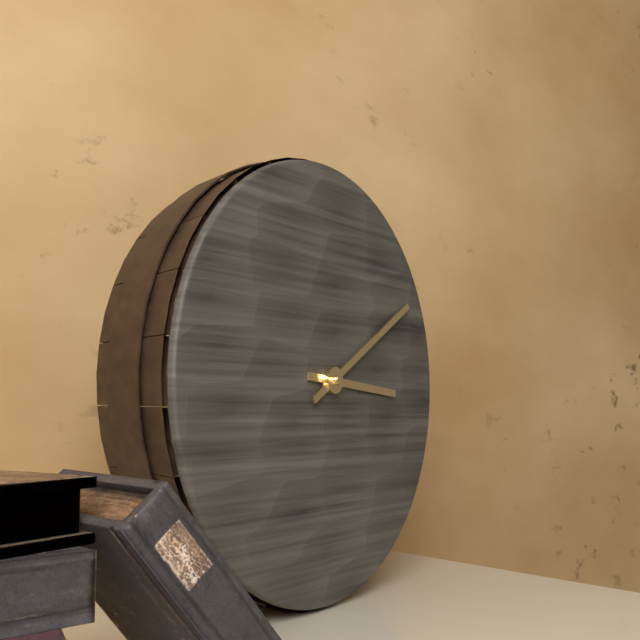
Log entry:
h=3 m=10
